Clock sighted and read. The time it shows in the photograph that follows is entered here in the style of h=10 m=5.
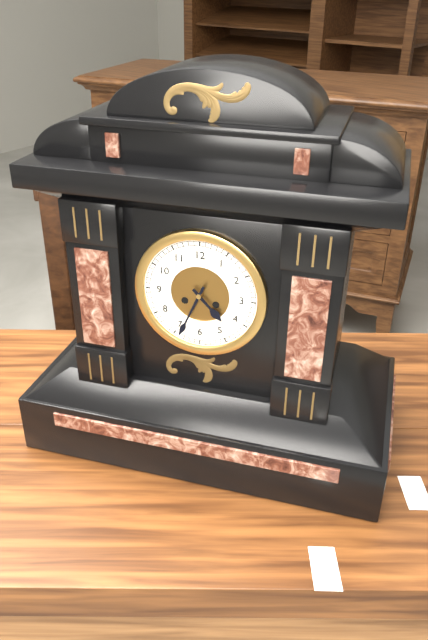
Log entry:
h=4 m=34
